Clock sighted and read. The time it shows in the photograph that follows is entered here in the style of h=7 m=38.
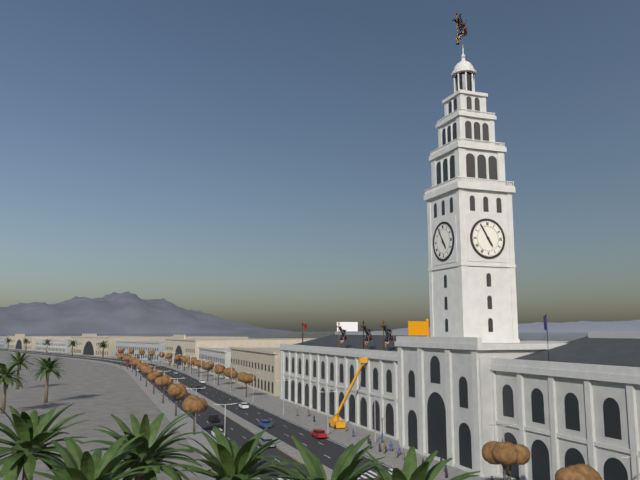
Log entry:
h=4 m=55
